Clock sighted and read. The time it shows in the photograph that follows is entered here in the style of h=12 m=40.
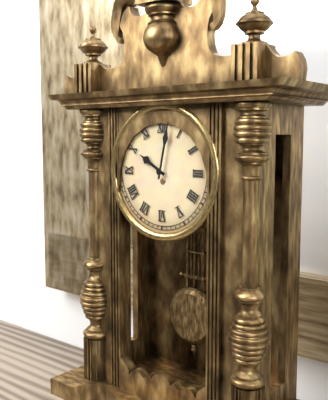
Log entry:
h=10 m=2
